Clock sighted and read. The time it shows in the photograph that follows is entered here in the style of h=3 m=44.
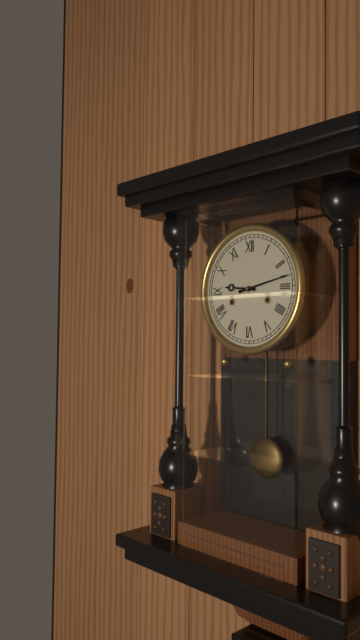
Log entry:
h=9 m=13
